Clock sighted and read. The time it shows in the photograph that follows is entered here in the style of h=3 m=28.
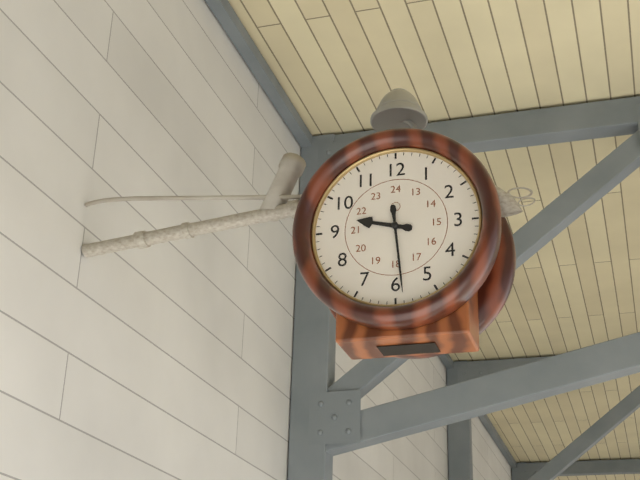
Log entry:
h=9 m=29
